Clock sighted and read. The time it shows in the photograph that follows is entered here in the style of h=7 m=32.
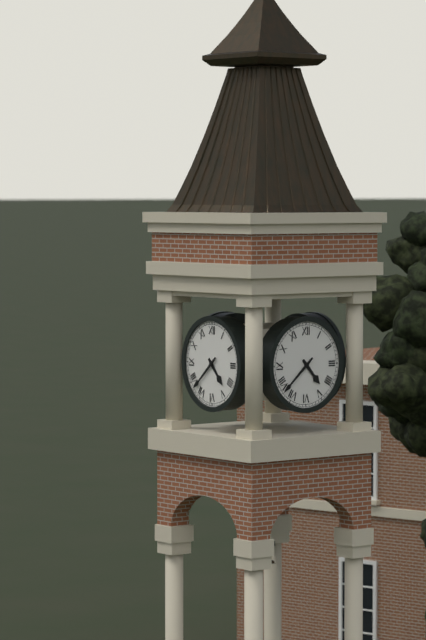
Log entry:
h=4 m=38
